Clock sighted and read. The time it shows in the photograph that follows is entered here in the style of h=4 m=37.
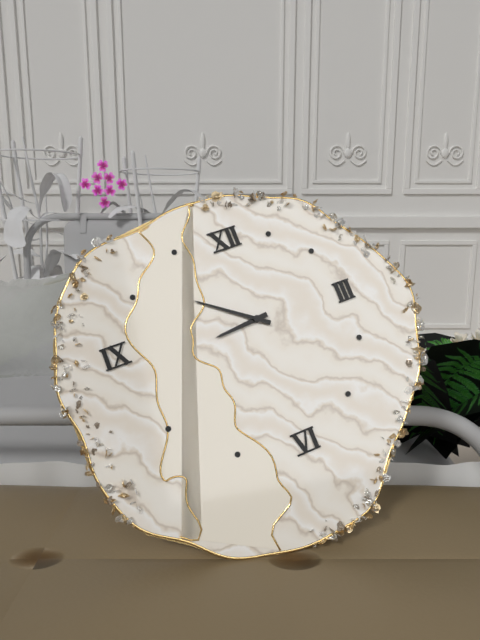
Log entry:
h=8 m=51
